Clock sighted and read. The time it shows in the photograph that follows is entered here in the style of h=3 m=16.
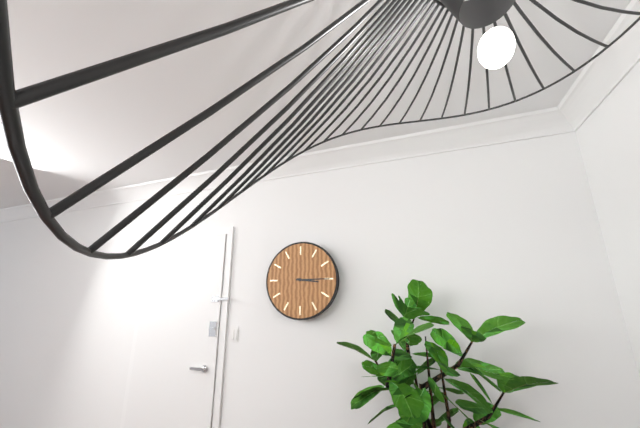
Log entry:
h=3 m=15
